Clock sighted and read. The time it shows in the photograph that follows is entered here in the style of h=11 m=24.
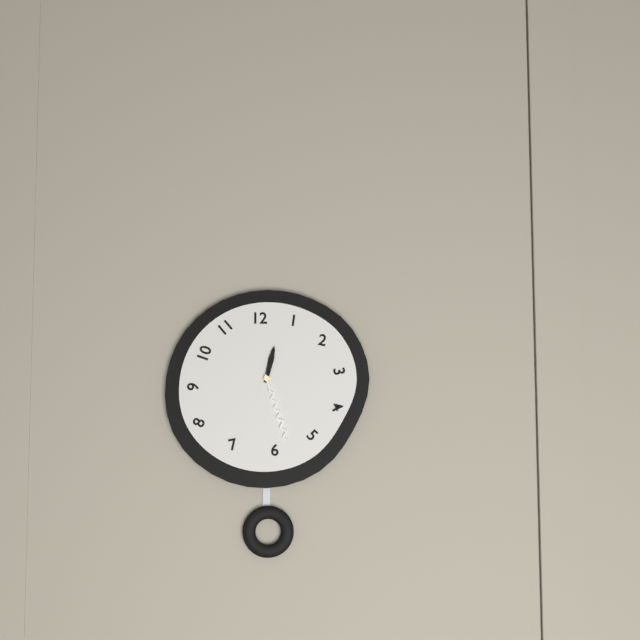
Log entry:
h=12 m=27
